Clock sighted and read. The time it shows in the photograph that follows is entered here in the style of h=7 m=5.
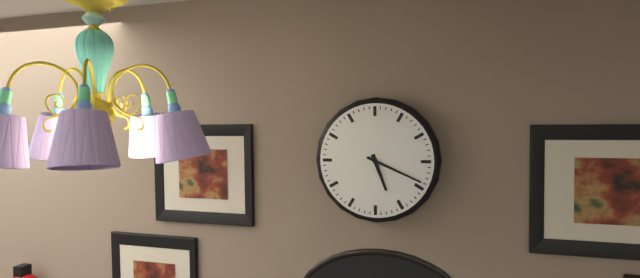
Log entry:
h=5 m=19
